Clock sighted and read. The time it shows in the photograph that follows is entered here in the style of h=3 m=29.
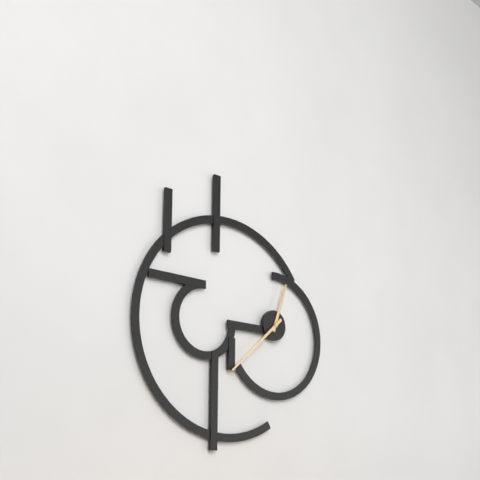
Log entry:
h=12 m=38
